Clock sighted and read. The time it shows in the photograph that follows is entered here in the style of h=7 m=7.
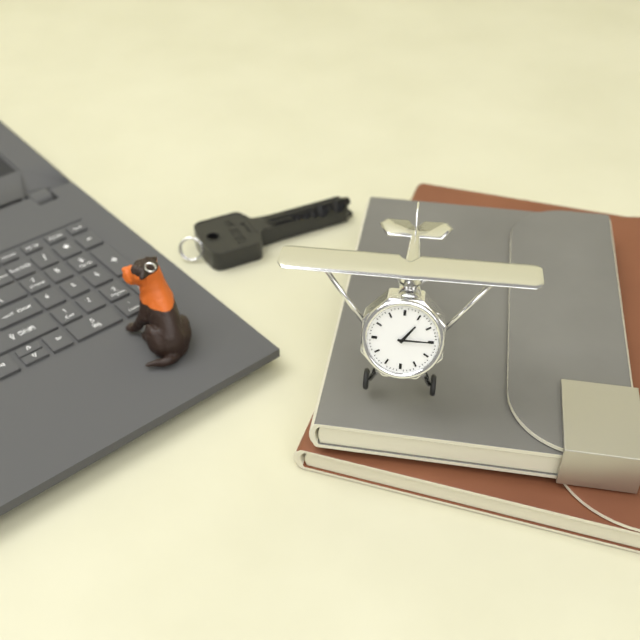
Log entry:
h=1 m=15
